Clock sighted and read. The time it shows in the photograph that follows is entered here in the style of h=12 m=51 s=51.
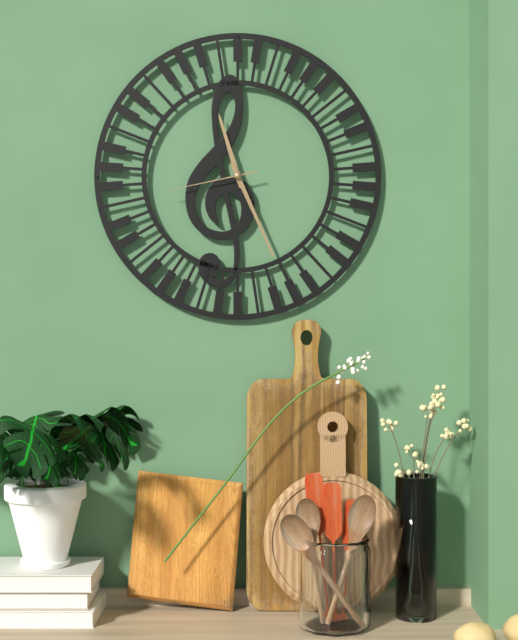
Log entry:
h=11 m=26 s=43
